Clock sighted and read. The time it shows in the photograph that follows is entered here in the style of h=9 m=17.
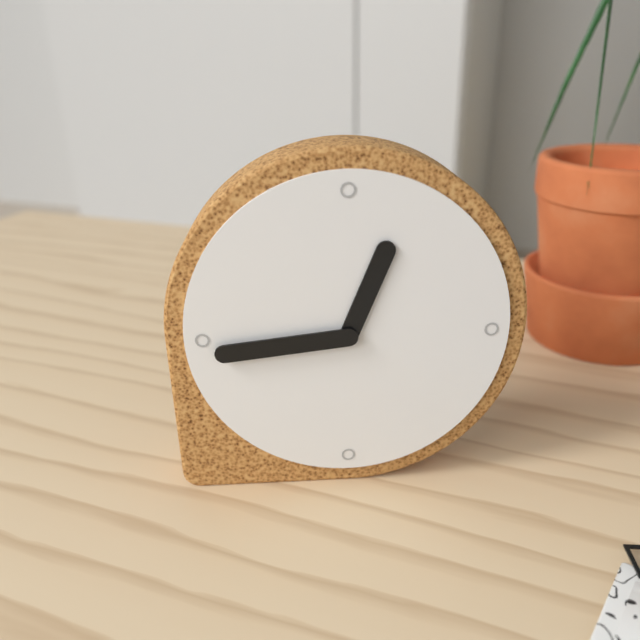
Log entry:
h=12 m=44
